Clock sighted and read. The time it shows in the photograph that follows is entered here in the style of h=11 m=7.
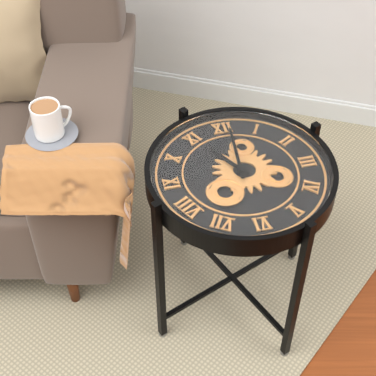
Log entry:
h=11 m=1
